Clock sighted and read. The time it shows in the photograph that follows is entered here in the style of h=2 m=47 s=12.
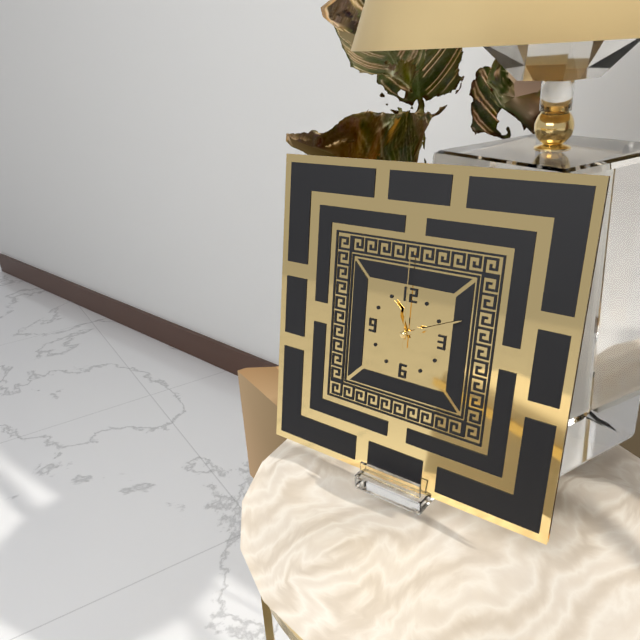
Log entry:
h=11 m=11 s=0
